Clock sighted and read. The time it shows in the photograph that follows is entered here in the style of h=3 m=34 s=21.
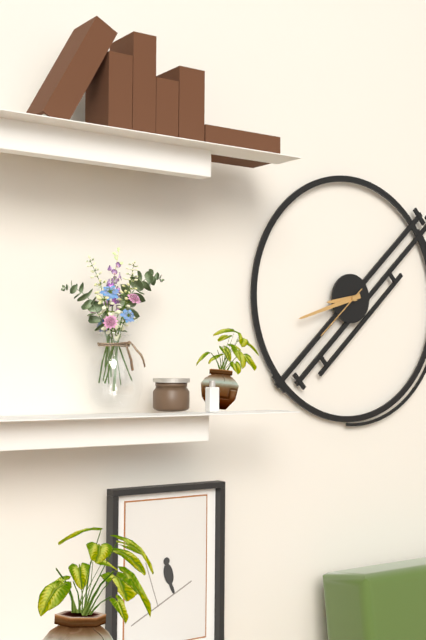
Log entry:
h=8 m=42 s=38
